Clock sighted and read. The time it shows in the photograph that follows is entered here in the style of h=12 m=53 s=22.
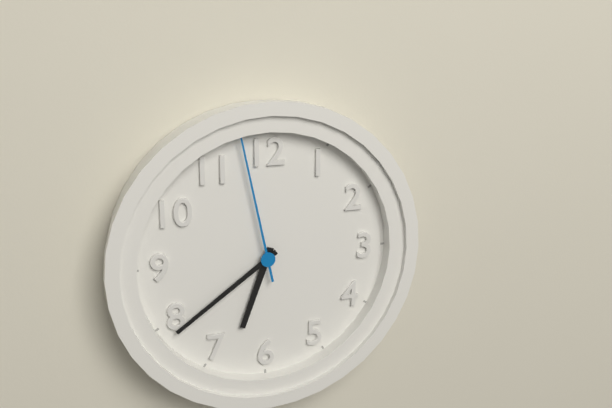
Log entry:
h=6 m=39 s=58
